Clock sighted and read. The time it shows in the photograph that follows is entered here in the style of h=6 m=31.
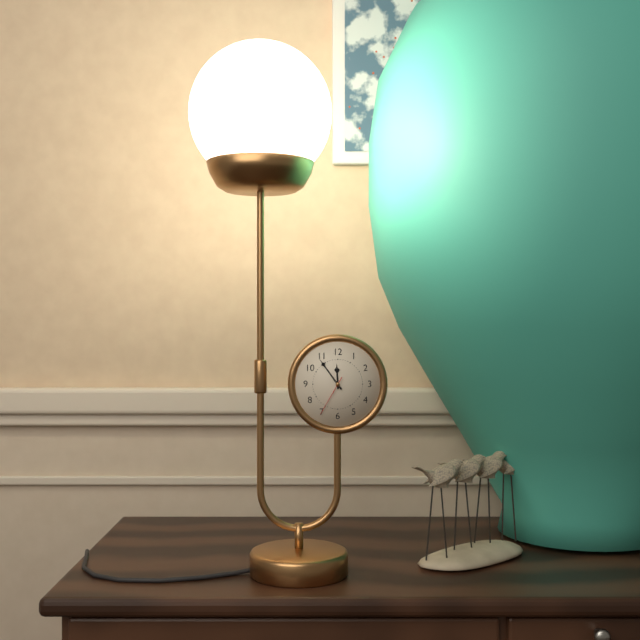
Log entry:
h=11 m=54
